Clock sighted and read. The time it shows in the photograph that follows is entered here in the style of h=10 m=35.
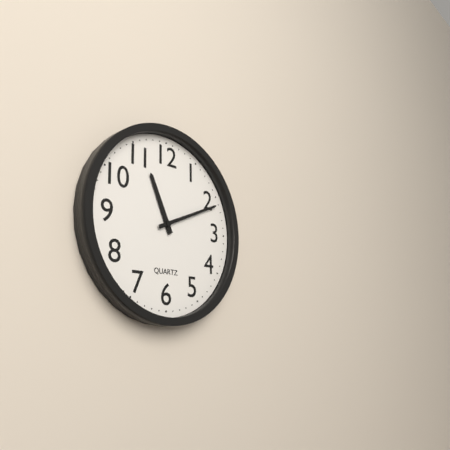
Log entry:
h=11 m=11
